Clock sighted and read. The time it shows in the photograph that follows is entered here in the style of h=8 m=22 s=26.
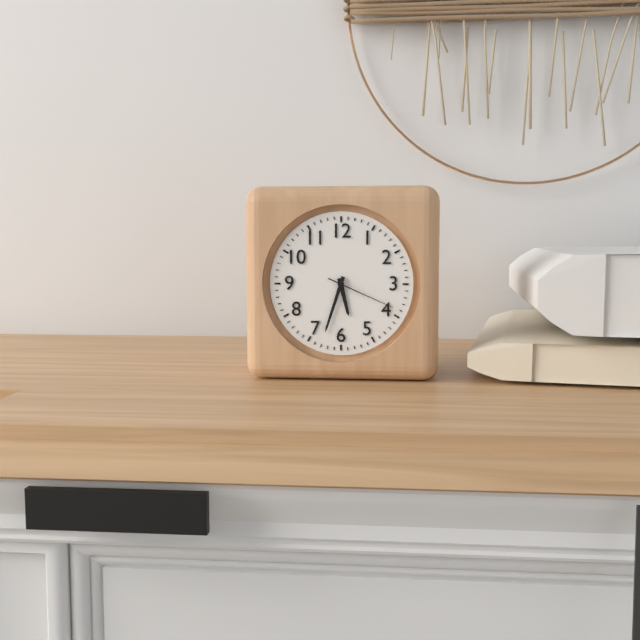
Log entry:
h=5 m=33 s=19
